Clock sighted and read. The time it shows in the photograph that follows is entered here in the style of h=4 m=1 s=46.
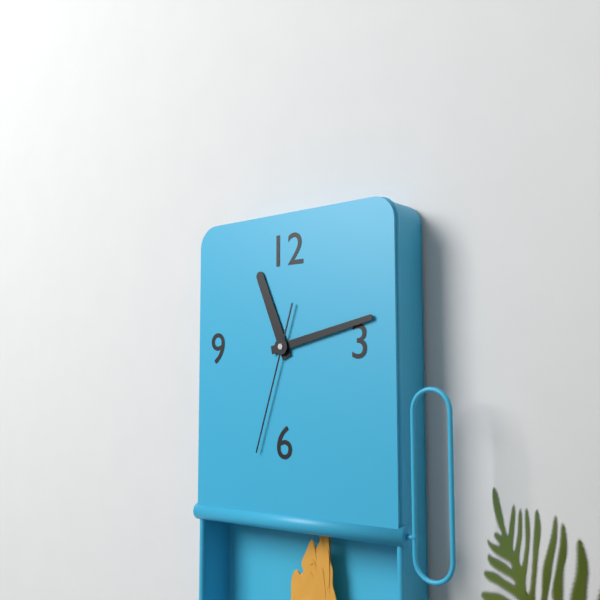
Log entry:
h=11 m=13 s=33
